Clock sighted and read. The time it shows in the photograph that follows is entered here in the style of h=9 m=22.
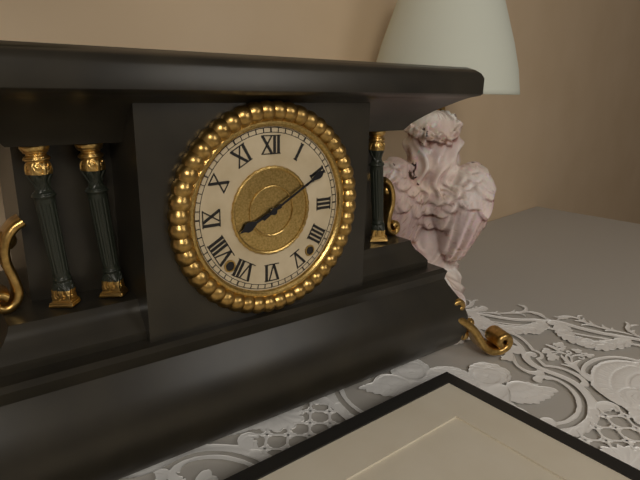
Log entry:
h=8 m=10
